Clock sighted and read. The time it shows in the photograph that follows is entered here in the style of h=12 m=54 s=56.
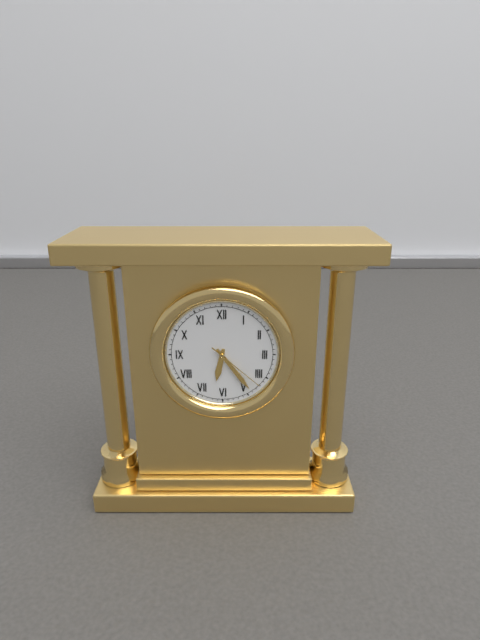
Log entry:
h=6 m=24 s=22
